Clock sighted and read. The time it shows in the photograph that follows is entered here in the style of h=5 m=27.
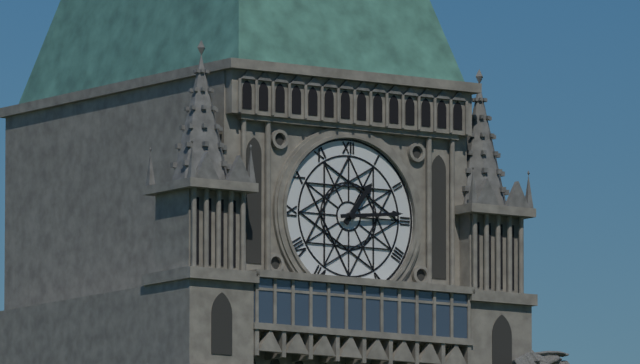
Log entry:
h=1 m=14
